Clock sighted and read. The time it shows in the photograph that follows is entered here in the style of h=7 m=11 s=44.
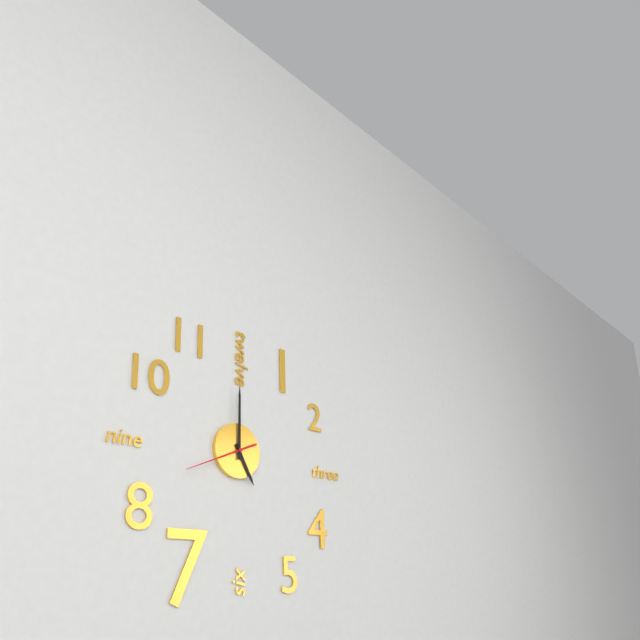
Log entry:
h=5 m=0 s=41
